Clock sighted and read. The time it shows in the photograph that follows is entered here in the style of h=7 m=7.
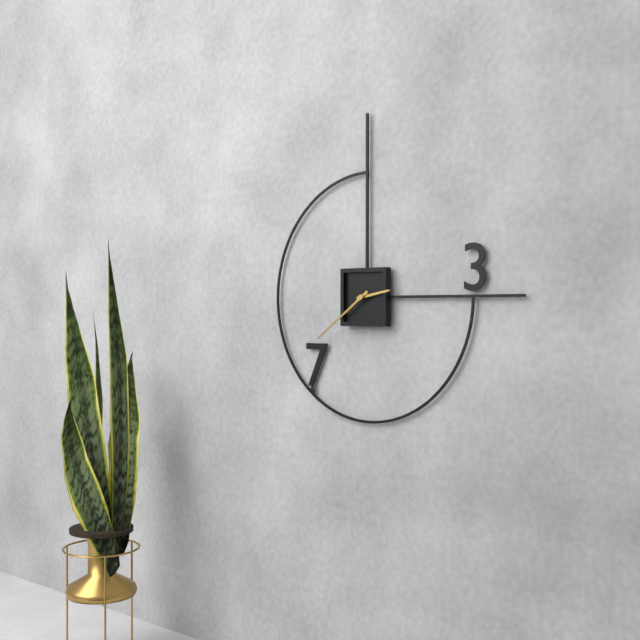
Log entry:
h=2 m=39
